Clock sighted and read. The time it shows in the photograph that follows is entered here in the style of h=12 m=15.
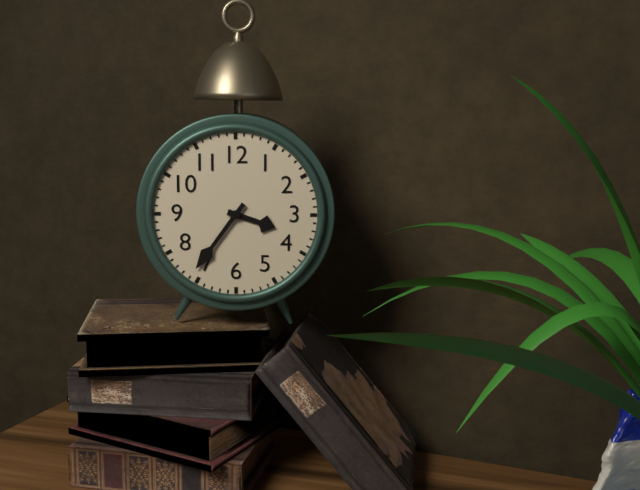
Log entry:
h=3 m=36
